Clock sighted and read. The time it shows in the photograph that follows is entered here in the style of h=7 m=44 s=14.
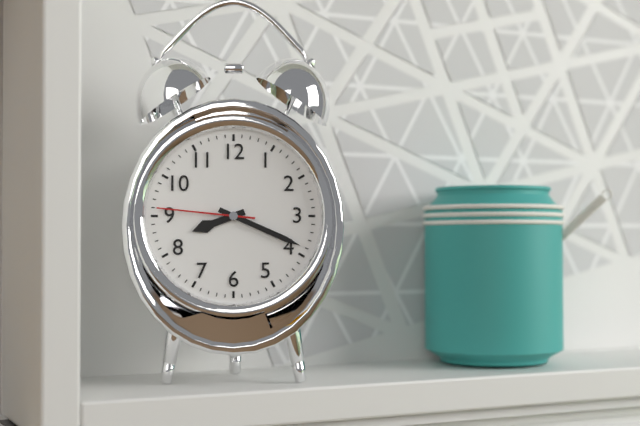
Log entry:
h=8 m=19 s=46
